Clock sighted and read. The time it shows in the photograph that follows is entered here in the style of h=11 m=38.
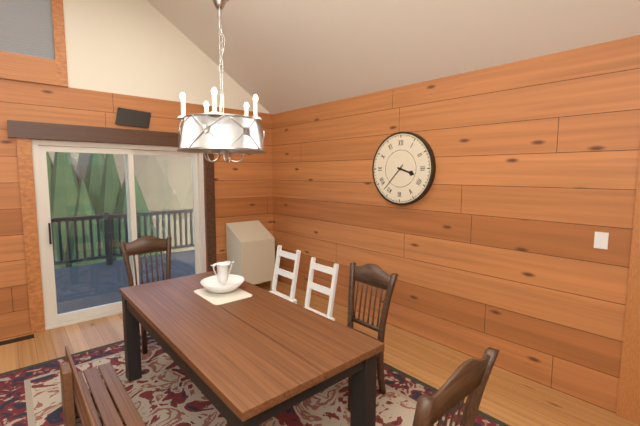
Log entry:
h=3 m=37
